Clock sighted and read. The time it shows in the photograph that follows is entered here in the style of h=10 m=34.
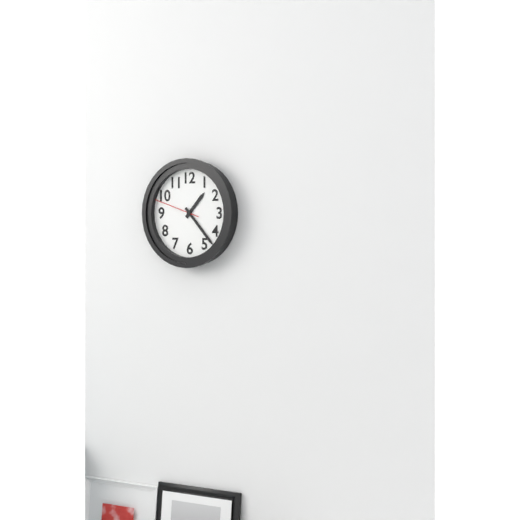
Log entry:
h=1 m=23
